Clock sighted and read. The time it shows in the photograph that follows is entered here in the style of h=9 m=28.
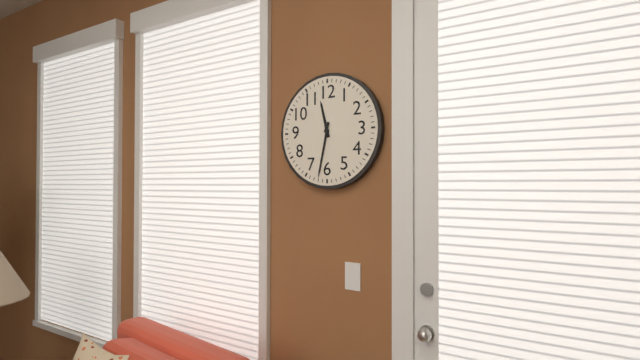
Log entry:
h=11 m=32
